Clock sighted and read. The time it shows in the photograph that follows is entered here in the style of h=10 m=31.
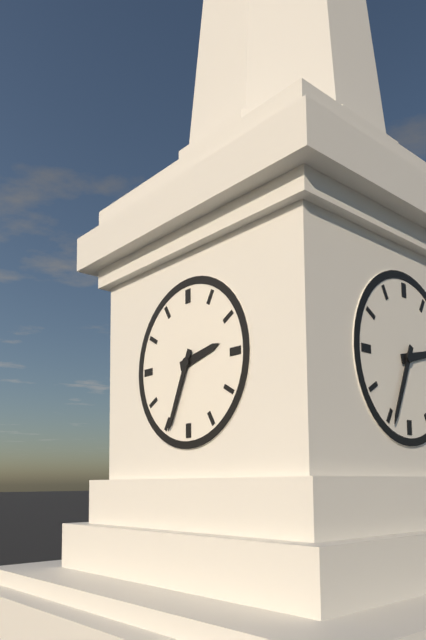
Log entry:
h=2 m=34
